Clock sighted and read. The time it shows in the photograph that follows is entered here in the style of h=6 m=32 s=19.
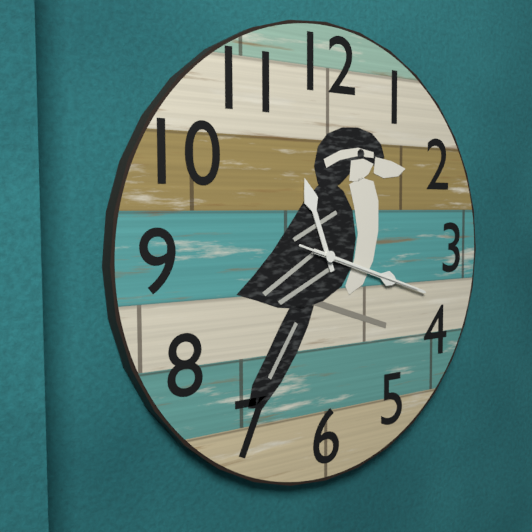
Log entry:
h=11 m=18 s=18
